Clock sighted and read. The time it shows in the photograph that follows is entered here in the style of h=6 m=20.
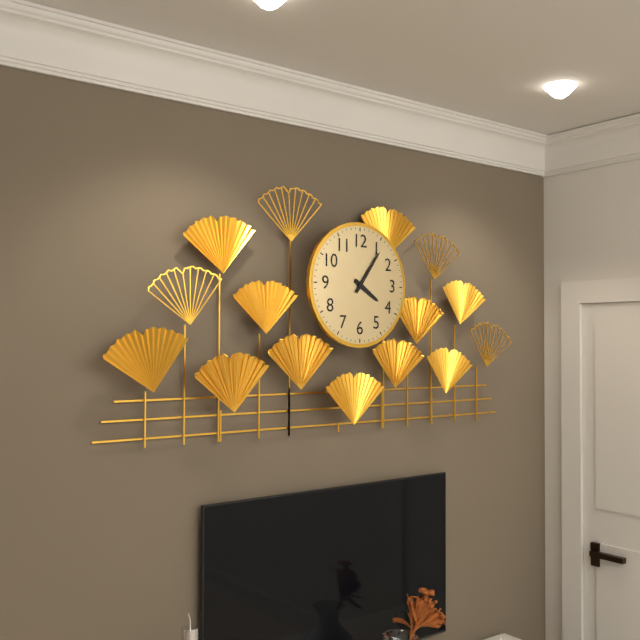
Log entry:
h=4 m=6
